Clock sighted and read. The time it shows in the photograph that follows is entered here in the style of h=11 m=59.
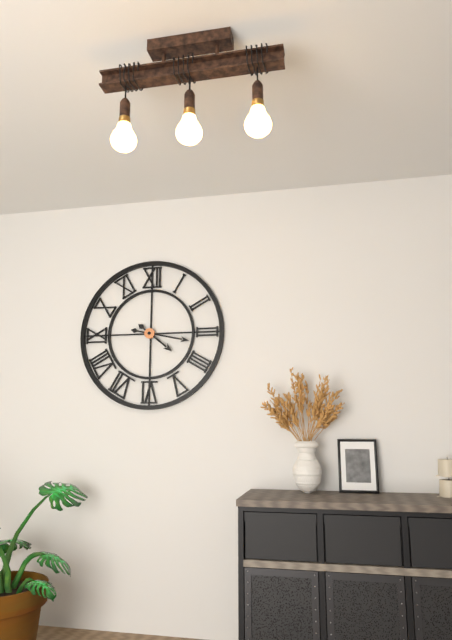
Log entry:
h=4 m=17
